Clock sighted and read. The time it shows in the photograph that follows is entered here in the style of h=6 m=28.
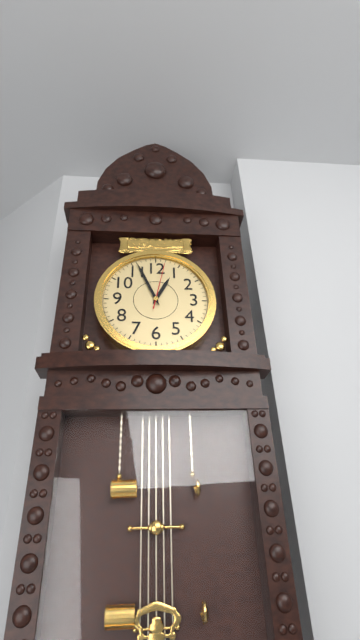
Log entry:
h=12 m=56
